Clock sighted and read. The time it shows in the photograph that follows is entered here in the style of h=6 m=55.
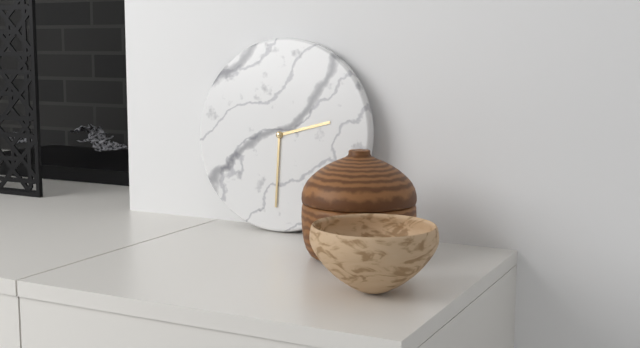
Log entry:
h=2 m=30
